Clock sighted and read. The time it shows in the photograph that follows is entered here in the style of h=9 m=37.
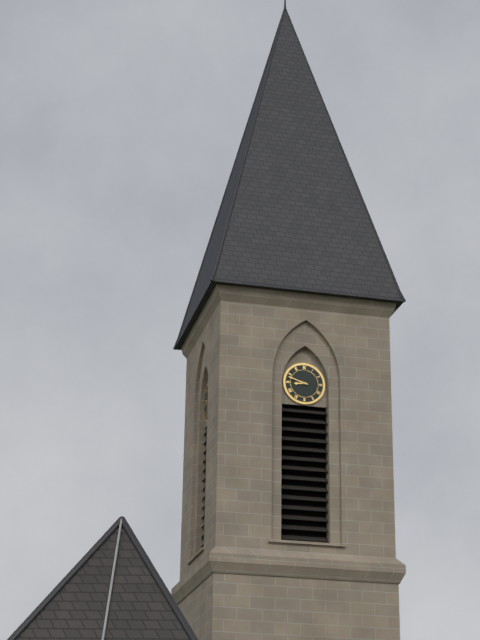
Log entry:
h=8 m=48
